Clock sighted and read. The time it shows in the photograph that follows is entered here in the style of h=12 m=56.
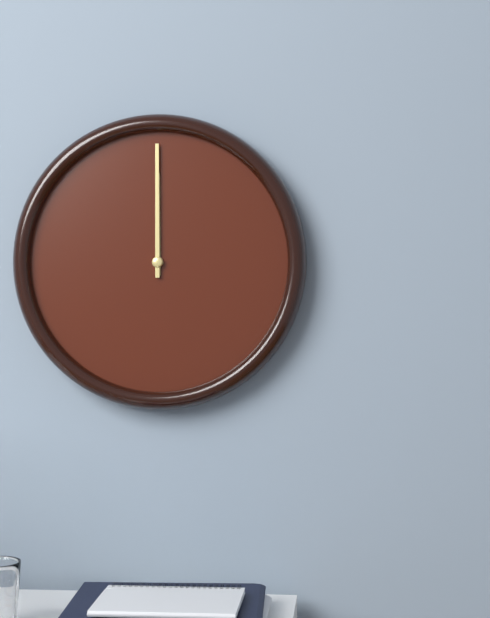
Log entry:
h=12 m=0
